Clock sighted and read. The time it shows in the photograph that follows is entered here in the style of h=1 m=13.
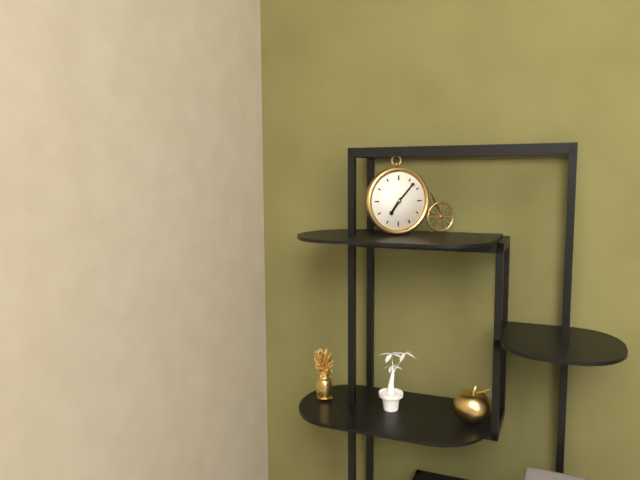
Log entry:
h=7 m=7
